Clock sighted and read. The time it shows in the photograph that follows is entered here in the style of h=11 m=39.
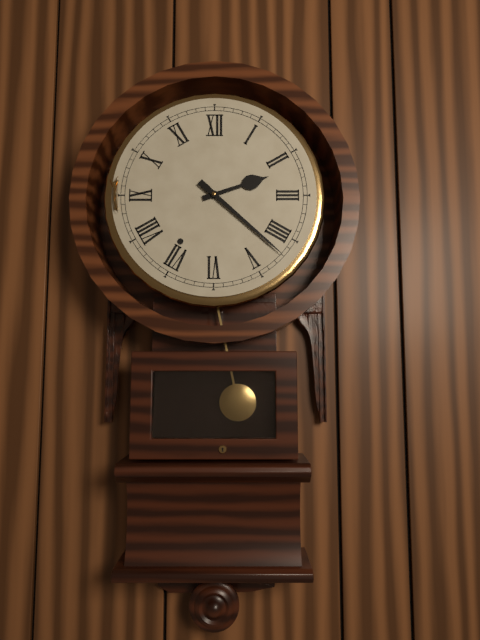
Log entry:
h=2 m=22
